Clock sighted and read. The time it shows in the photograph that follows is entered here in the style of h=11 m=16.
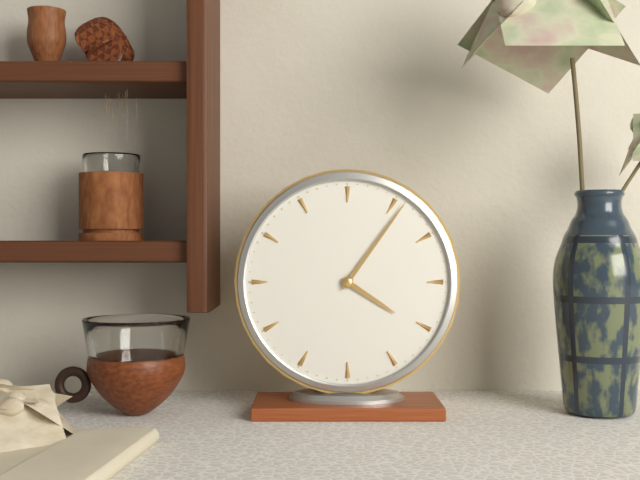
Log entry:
h=4 m=6
